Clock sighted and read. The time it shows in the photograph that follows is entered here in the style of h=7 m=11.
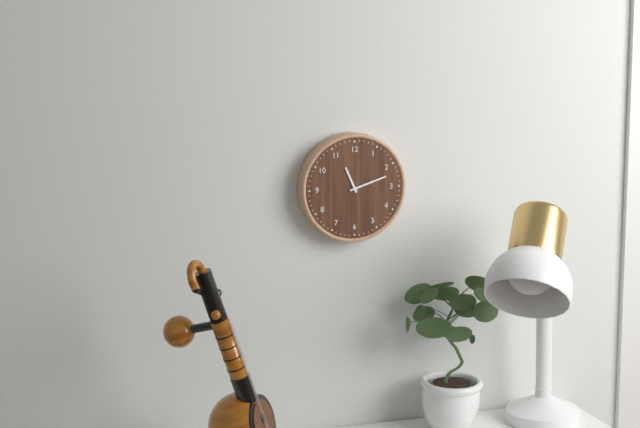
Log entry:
h=11 m=12
